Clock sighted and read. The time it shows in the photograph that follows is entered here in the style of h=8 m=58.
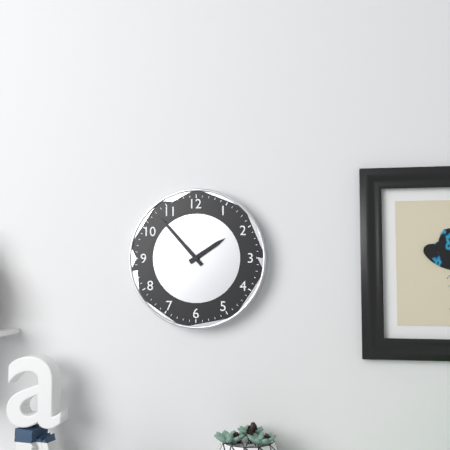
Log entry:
h=1 m=53
